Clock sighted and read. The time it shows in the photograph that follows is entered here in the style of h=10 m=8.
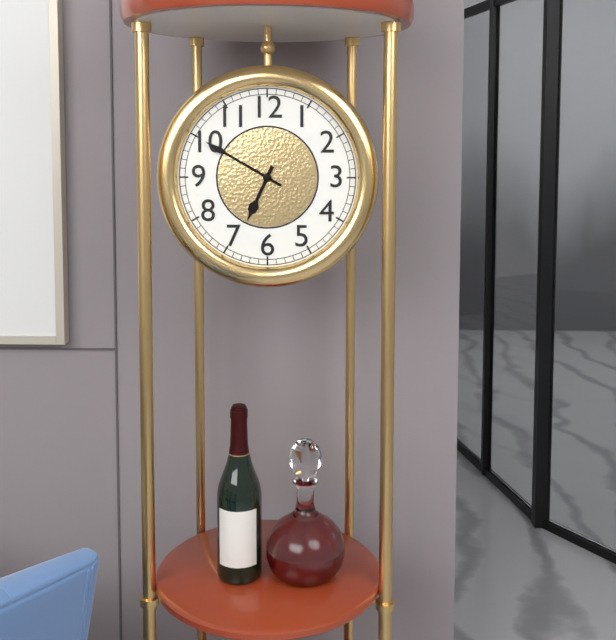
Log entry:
h=6 m=50
